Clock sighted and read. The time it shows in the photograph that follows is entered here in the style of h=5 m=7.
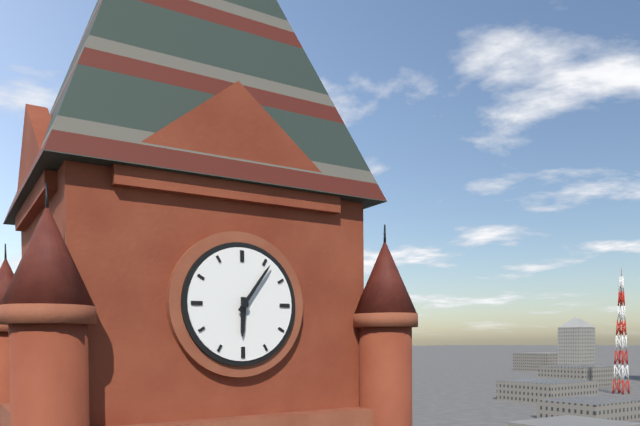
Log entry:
h=6 m=6
